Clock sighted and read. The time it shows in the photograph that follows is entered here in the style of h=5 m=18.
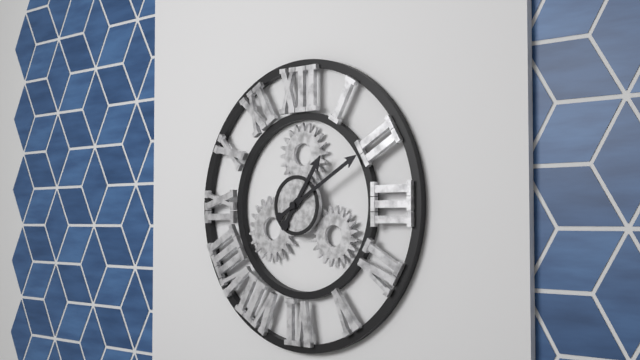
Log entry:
h=1 m=10
